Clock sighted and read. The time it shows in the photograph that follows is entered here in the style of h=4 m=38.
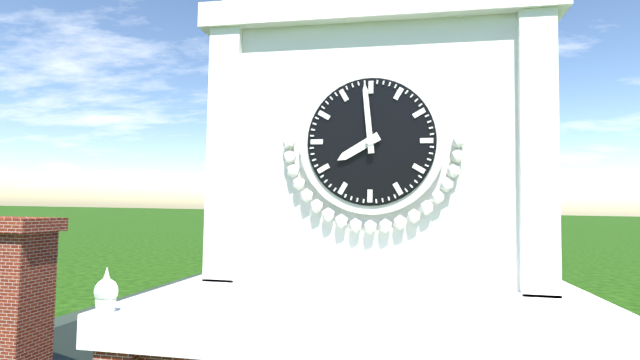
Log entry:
h=7 m=59
